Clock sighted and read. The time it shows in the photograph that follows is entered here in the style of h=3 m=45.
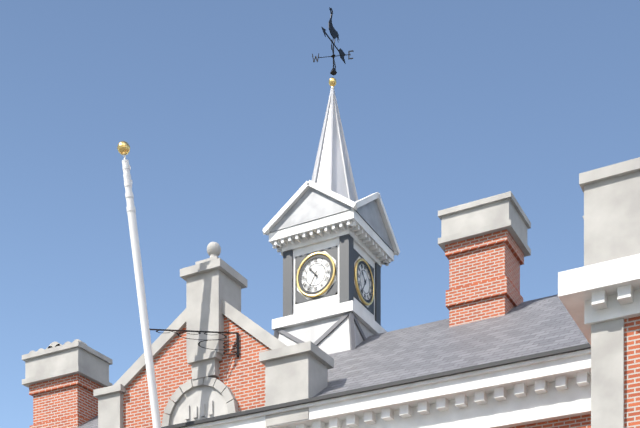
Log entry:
h=10 m=35
